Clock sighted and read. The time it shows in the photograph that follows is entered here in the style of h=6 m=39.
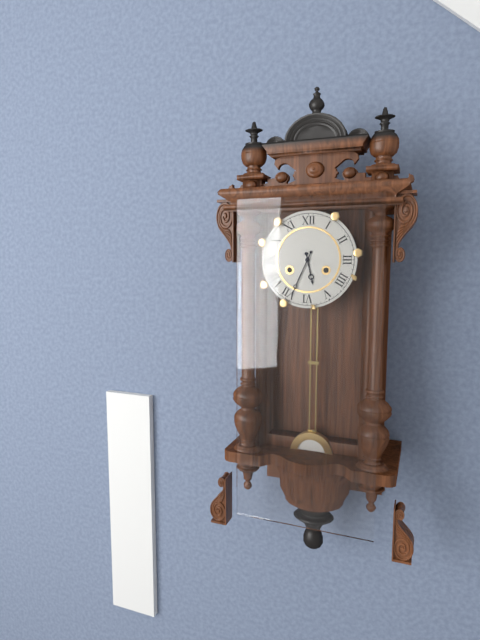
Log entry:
h=5 m=34
